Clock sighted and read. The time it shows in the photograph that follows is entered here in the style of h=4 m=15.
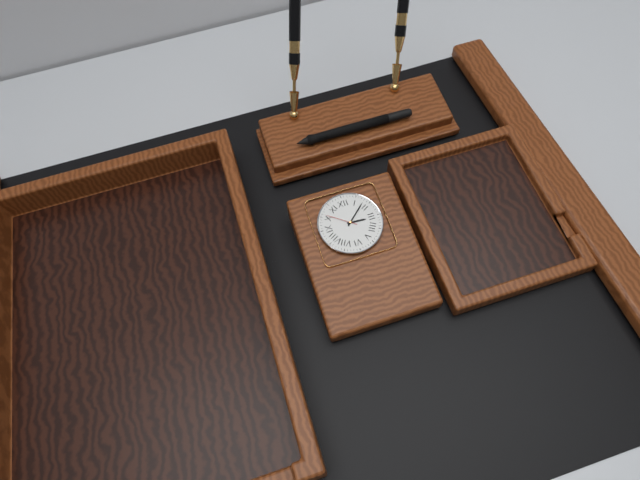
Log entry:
h=3 m=8
